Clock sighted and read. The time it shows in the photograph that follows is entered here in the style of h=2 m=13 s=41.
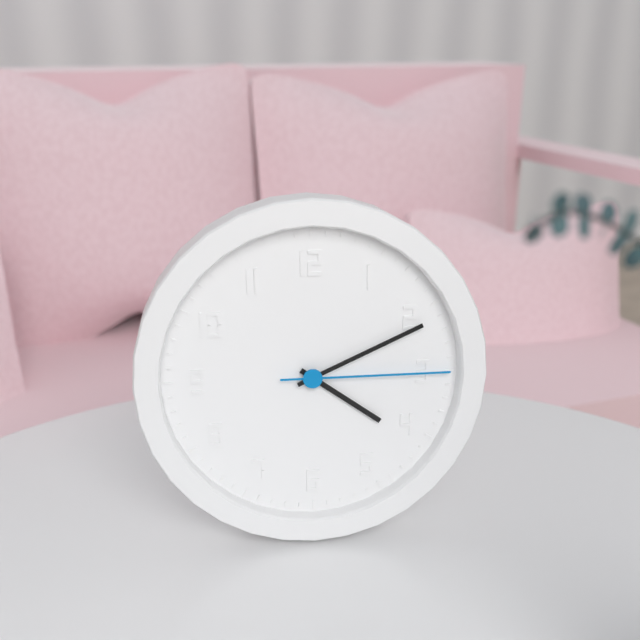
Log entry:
h=4 m=11 s=15
